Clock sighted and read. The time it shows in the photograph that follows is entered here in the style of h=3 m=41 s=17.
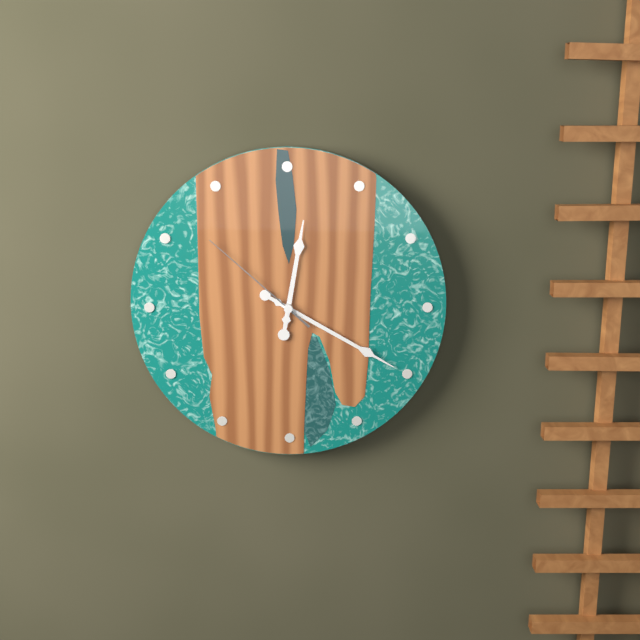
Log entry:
h=12 m=20 s=52
